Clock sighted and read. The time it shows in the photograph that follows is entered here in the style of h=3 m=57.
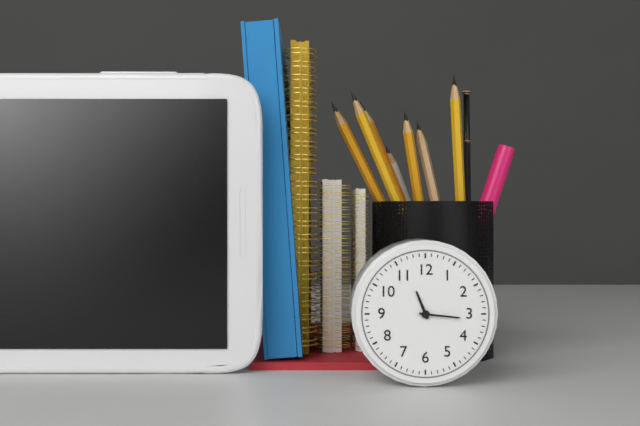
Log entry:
h=11 m=16
